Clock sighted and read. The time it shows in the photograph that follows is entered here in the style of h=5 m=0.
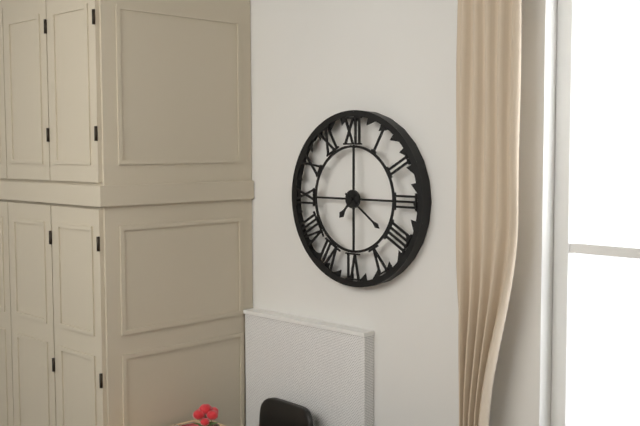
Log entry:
h=7 m=21
